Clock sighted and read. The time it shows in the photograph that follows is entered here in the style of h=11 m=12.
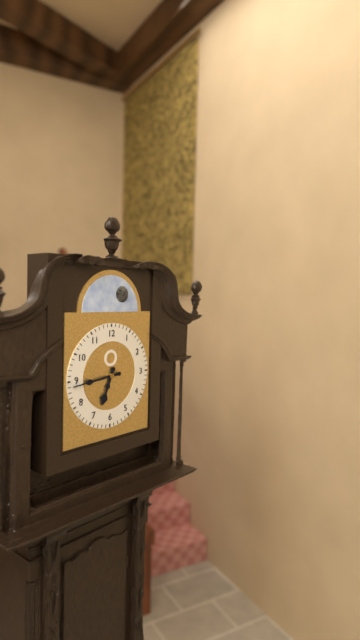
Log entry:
h=6 m=44
